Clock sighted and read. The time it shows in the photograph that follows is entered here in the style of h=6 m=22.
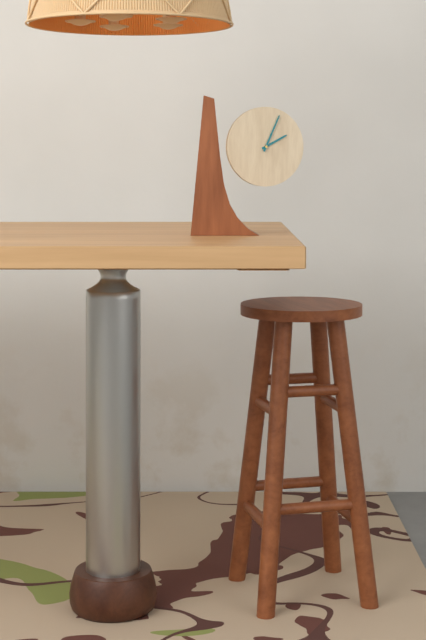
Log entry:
h=2 m=4
